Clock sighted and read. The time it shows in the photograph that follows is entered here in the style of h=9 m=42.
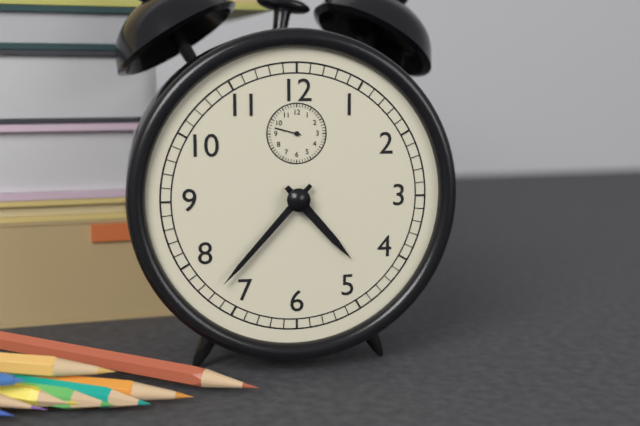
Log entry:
h=4 m=37
